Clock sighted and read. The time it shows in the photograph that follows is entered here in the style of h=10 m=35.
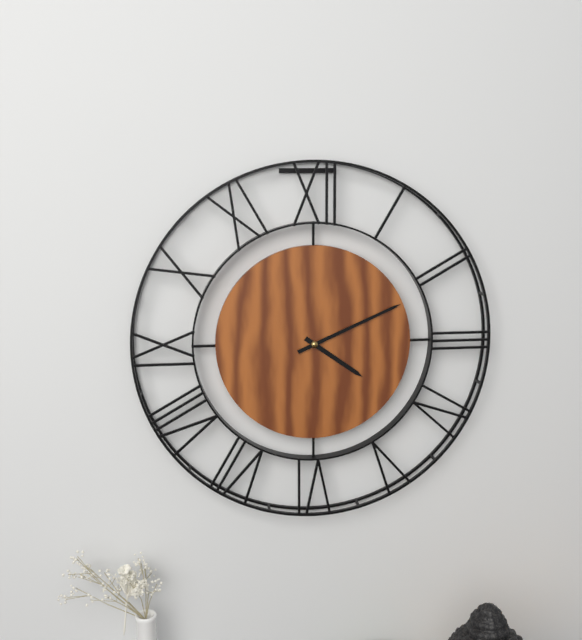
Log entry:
h=4 m=11
